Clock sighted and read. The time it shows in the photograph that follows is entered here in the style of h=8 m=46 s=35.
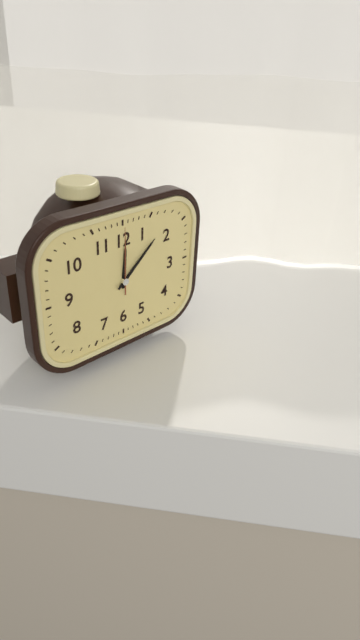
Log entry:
h=12 m=8 s=0
